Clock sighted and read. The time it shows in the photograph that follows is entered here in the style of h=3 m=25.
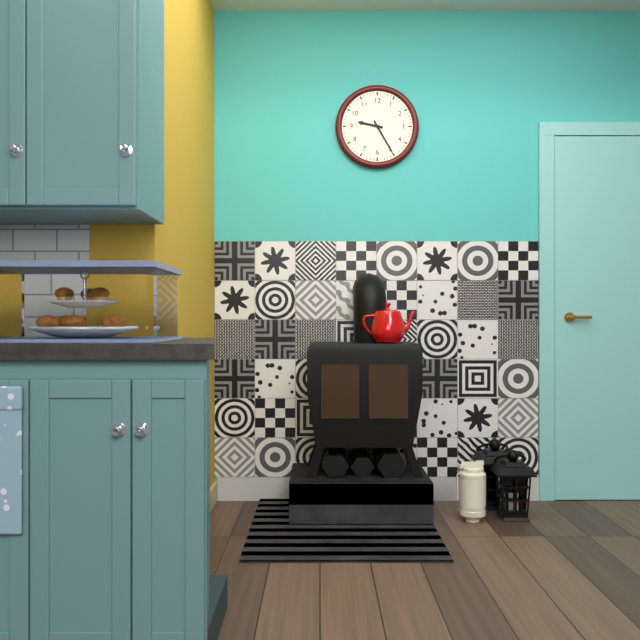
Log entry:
h=9 m=25
